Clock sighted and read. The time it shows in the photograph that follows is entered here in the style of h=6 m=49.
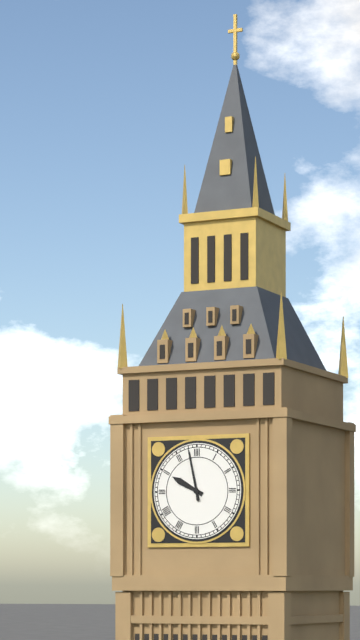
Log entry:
h=9 m=58
